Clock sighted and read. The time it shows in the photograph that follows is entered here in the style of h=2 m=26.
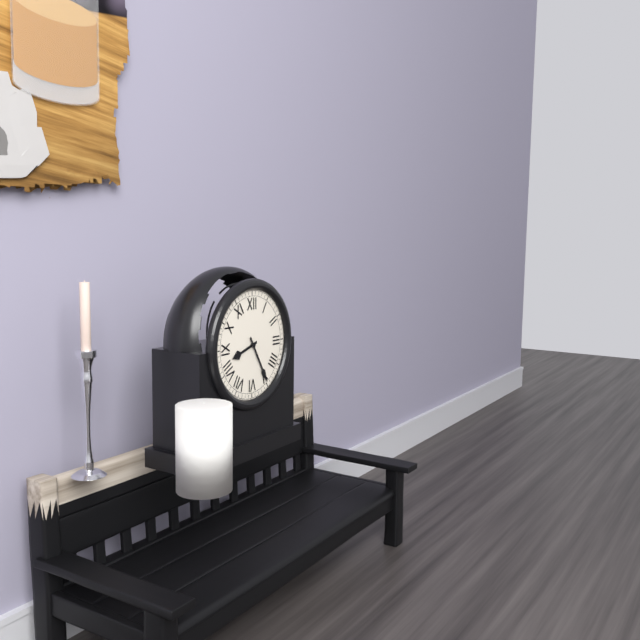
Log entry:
h=8 m=25
